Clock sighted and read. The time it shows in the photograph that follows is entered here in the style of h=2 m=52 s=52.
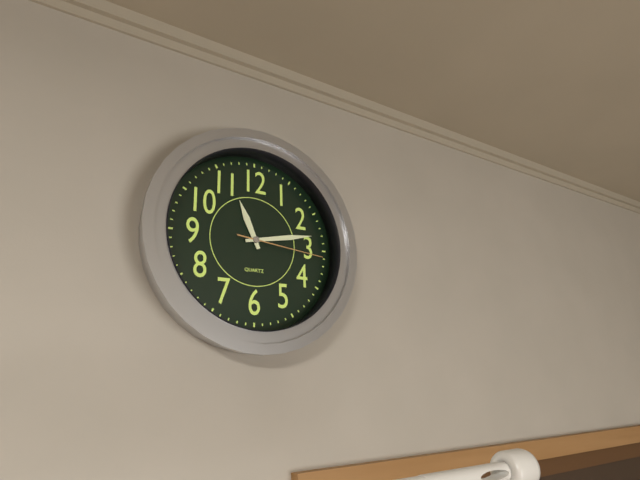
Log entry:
h=11 m=13 s=16
